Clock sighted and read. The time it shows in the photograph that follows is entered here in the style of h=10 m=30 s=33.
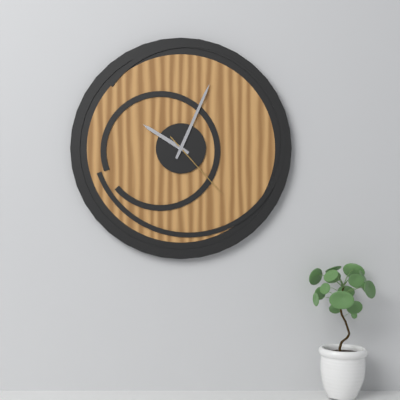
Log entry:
h=10 m=4 s=23
